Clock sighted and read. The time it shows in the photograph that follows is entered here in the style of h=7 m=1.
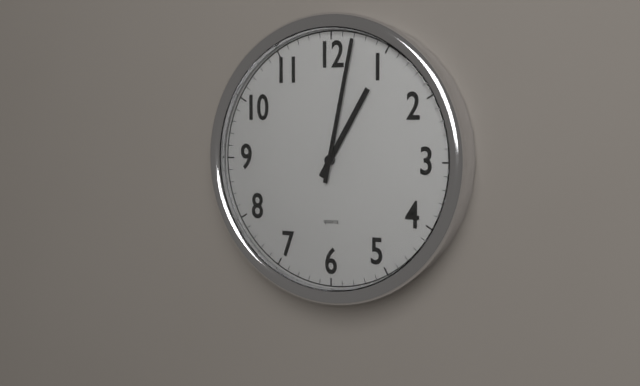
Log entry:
h=1 m=2
